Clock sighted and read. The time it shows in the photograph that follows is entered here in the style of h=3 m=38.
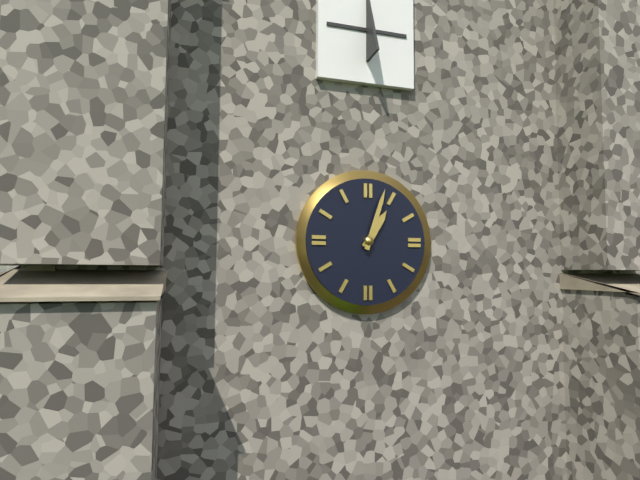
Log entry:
h=1 m=3
